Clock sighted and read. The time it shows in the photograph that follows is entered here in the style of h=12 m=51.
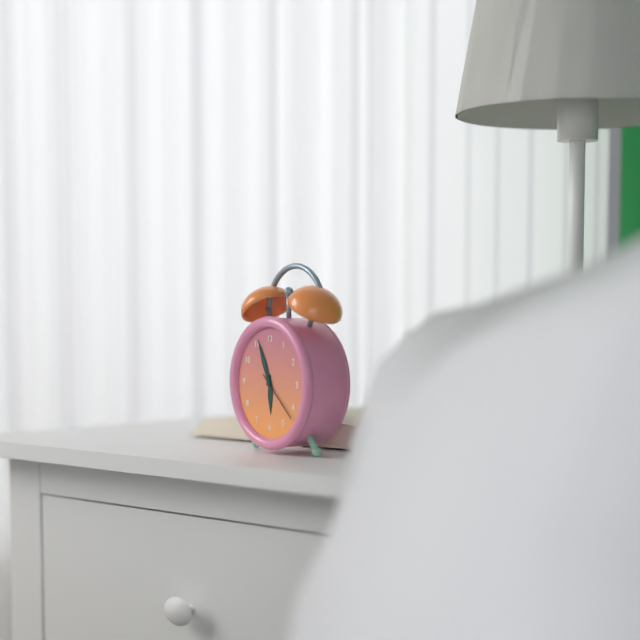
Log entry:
h=5 m=56
